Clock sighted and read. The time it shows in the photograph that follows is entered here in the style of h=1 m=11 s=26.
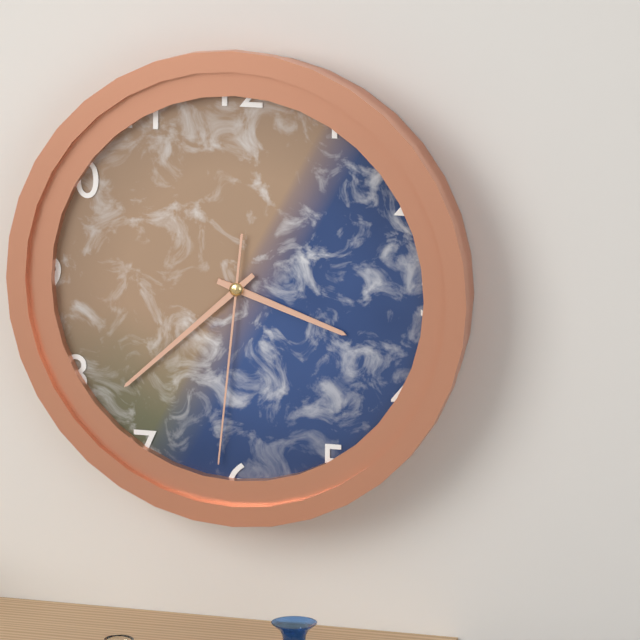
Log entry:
h=3 m=38 s=31
